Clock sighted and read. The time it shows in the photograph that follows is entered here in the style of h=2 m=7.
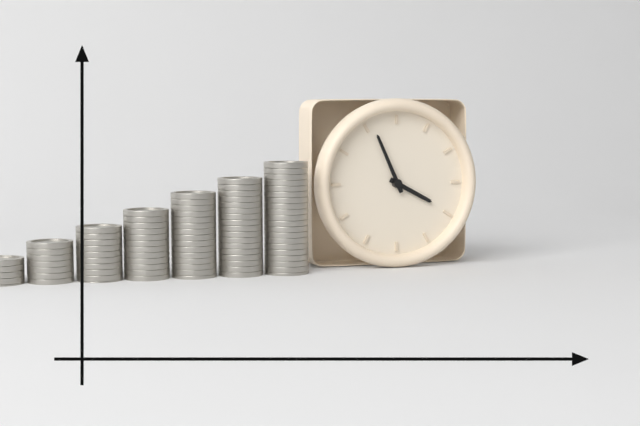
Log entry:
h=3 m=56
